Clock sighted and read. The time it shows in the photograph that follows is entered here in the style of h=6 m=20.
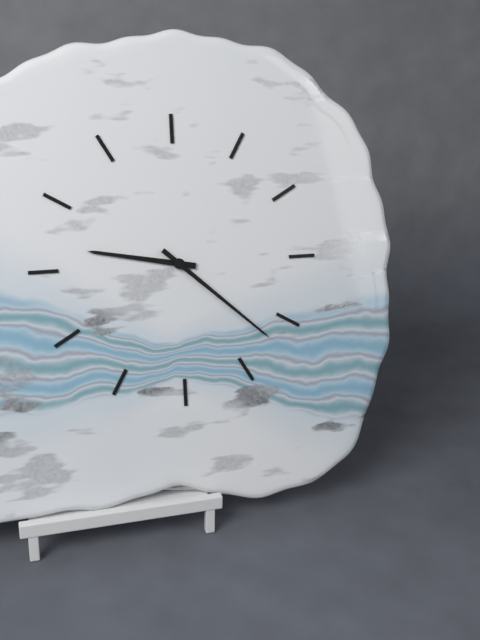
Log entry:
h=9 m=22
